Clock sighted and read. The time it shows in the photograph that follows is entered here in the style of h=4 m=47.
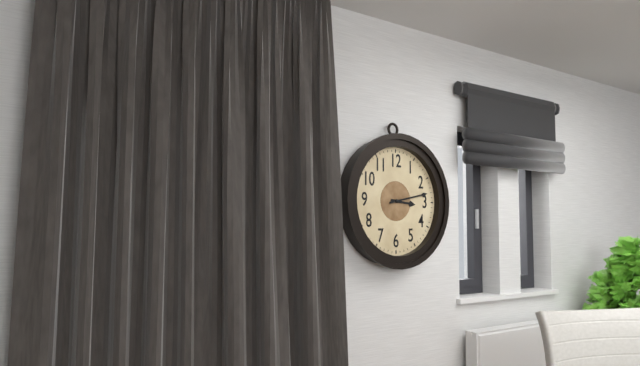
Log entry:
h=3 m=13
